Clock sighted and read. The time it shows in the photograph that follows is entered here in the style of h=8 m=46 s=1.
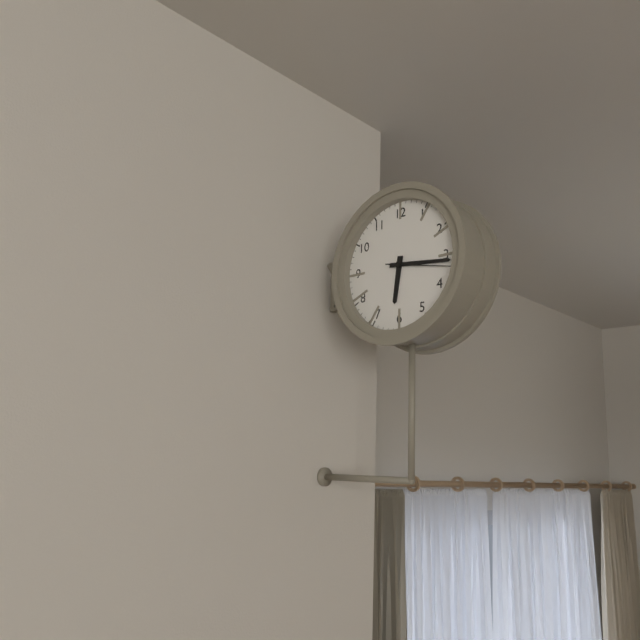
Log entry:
h=6 m=16 s=17
